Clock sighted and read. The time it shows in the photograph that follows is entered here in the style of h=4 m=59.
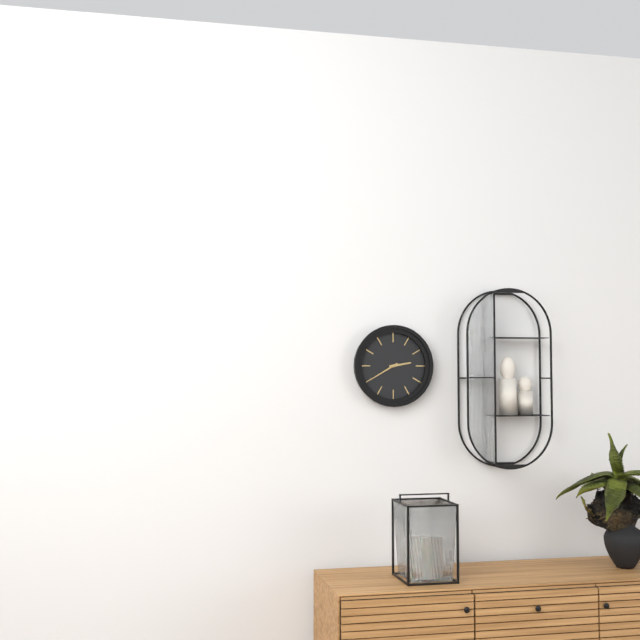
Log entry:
h=2 m=40
